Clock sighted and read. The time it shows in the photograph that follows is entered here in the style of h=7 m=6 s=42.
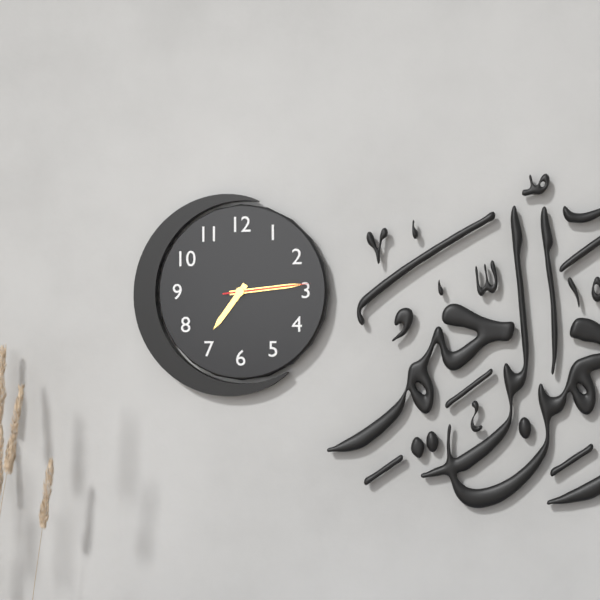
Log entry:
h=7 m=14 s=14
